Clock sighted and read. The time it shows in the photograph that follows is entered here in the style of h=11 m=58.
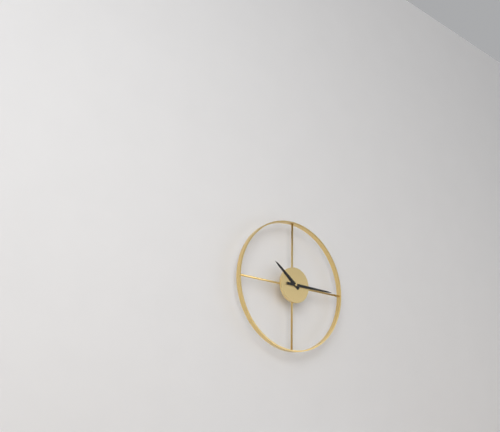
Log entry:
h=10 m=15
